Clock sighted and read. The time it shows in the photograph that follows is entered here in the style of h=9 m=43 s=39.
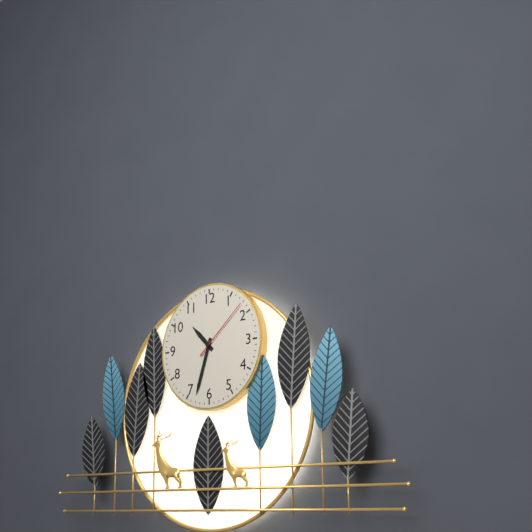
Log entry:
h=10 m=33 s=8
